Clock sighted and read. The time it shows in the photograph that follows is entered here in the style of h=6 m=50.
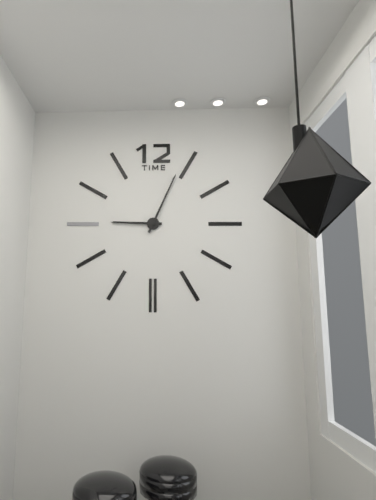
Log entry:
h=9 m=4
